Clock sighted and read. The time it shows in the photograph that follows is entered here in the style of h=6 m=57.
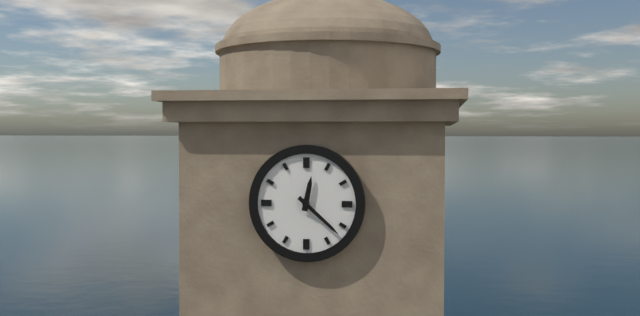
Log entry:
h=12 m=22
